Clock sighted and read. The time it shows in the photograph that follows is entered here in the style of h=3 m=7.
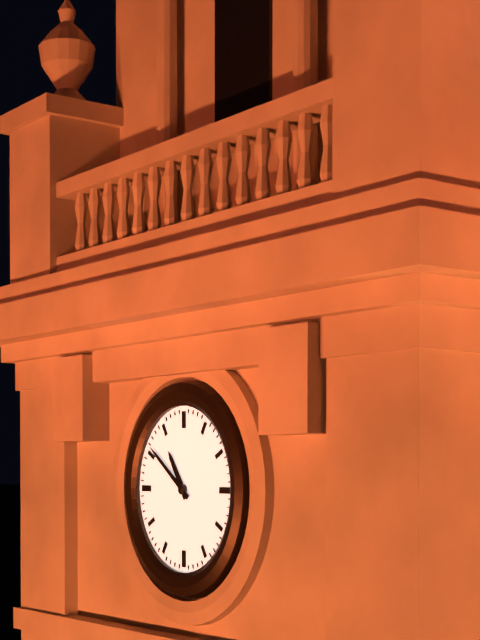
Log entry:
h=10 m=51
